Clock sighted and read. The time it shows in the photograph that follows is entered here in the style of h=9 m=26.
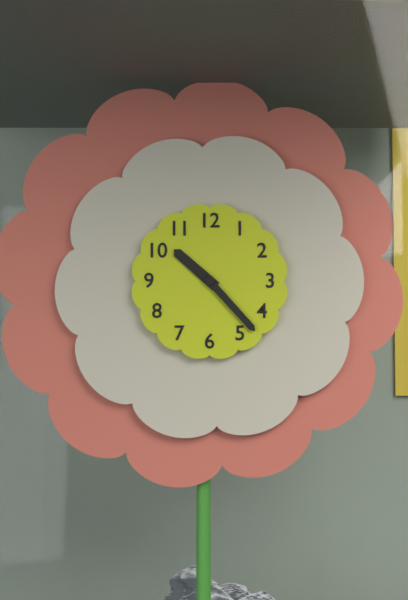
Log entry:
h=10 m=23
